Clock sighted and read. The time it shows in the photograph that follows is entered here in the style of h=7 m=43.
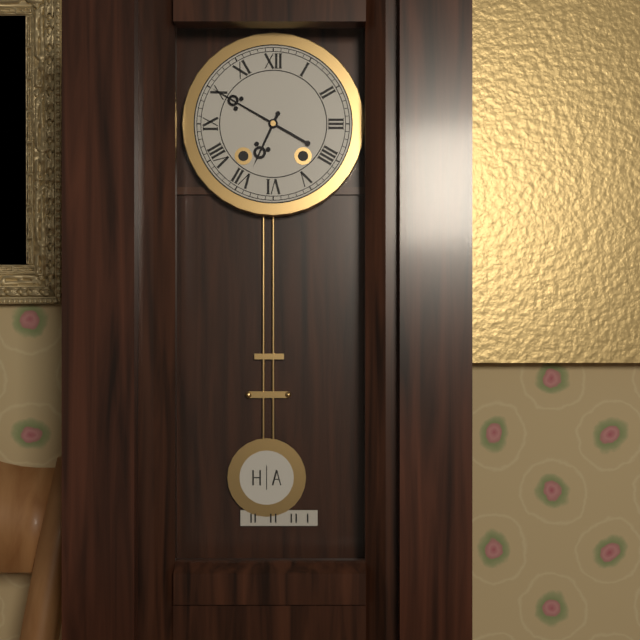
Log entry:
h=6 m=50
